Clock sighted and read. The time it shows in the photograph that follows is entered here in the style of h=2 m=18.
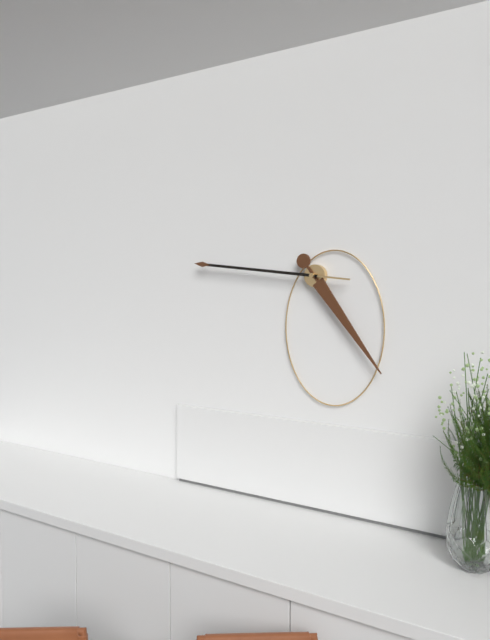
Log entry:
h=4 m=46
